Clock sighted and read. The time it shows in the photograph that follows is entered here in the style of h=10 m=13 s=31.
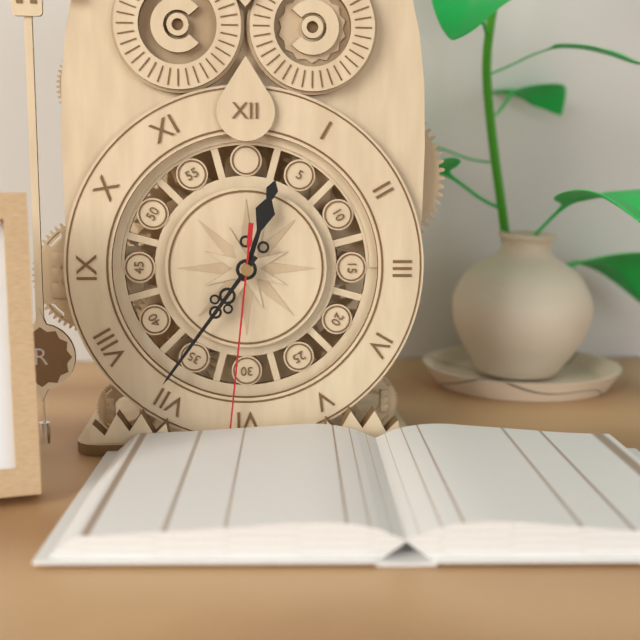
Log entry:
h=12 m=36 s=31
